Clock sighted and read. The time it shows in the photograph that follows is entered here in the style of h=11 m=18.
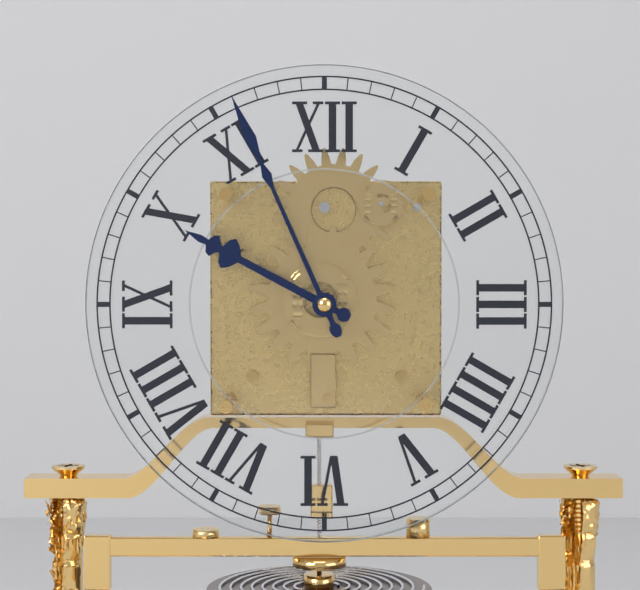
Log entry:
h=9 m=56
